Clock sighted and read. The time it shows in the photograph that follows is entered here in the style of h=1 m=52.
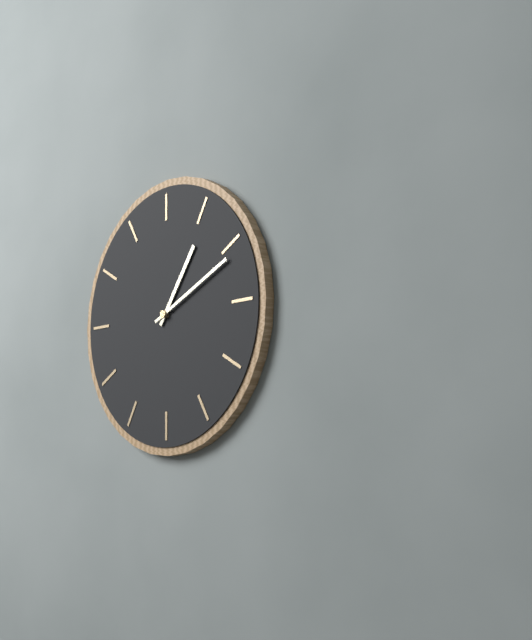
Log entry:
h=1 m=11
